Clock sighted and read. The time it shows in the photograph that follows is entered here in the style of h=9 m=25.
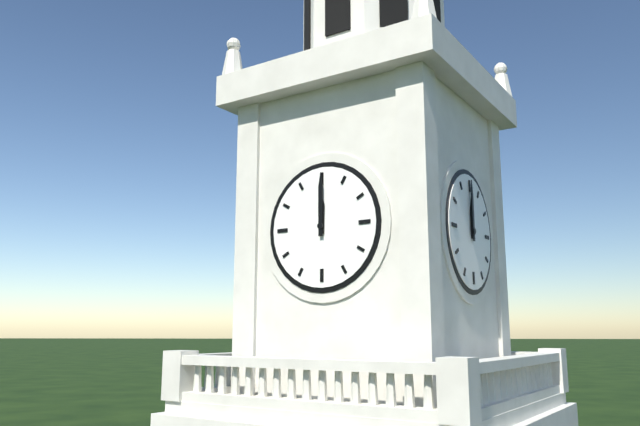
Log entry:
h=12 m=0
